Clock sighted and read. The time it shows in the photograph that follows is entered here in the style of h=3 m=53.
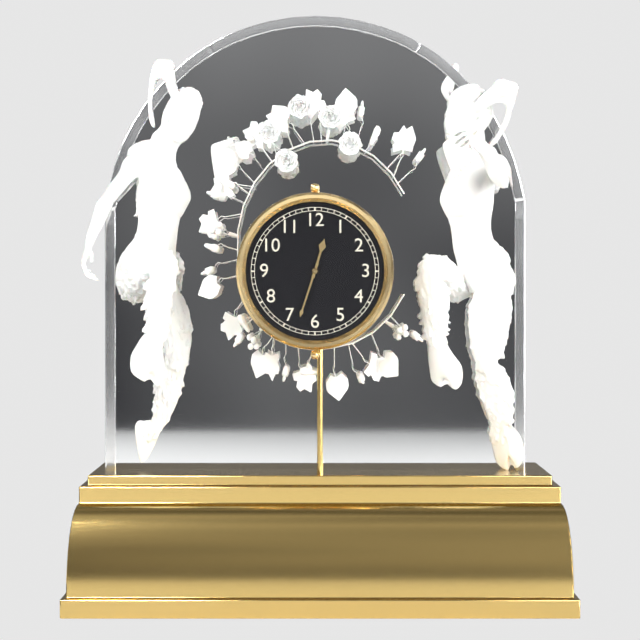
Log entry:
h=12 m=33
